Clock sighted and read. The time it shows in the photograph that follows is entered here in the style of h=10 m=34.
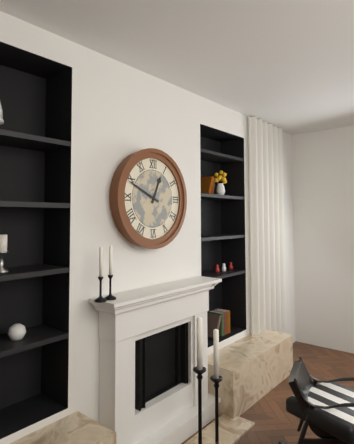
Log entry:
h=12 m=49
